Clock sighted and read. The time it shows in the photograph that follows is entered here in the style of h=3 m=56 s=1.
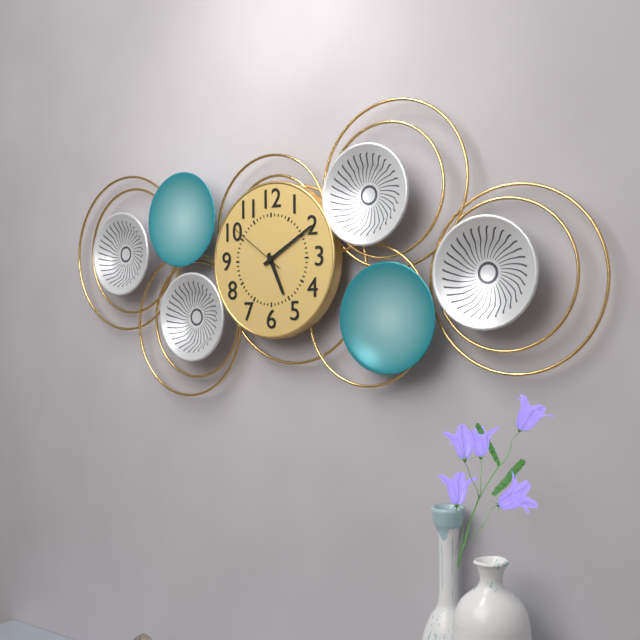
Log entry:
h=5 m=10 s=51
